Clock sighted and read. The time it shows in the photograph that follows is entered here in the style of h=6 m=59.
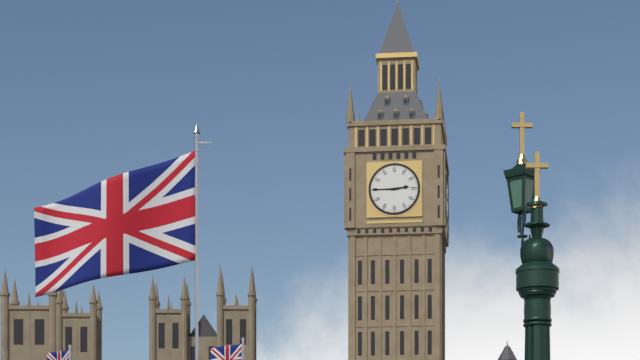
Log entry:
h=2 m=45
